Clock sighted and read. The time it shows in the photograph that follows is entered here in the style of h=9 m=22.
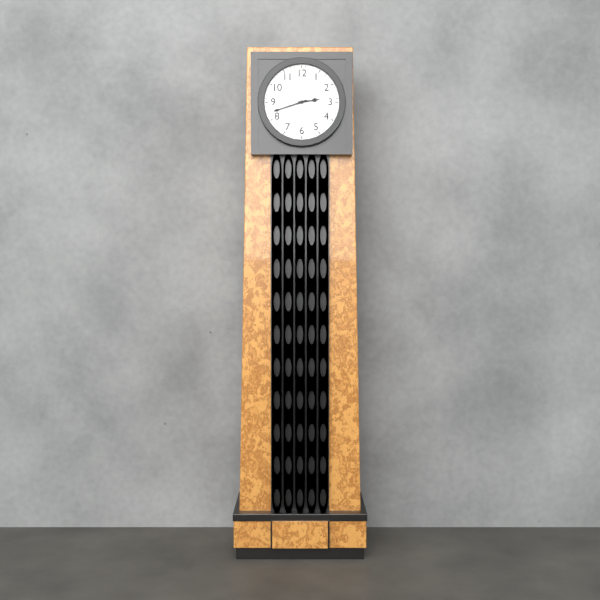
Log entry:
h=2 m=42
